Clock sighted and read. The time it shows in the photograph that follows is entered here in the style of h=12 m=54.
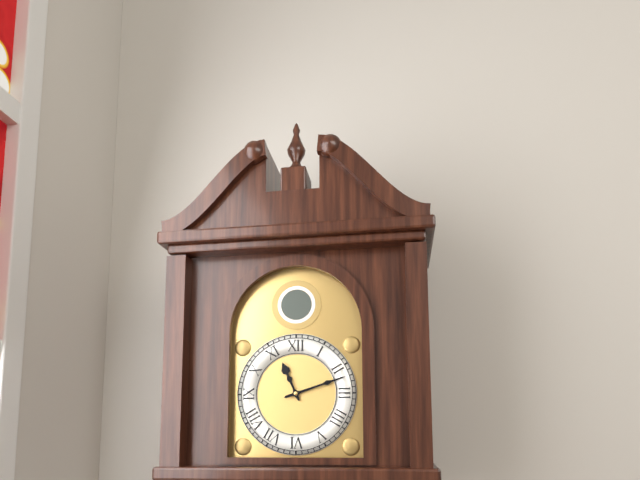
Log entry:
h=11 m=12
